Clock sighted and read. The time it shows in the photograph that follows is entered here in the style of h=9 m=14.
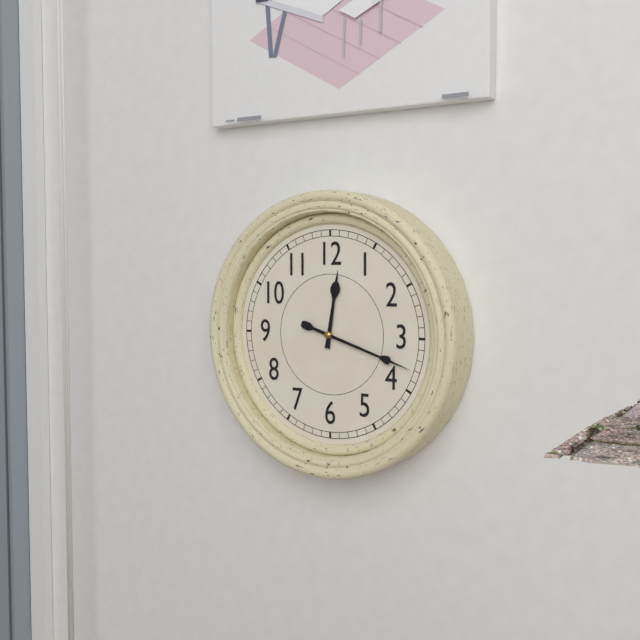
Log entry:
h=12 m=18
